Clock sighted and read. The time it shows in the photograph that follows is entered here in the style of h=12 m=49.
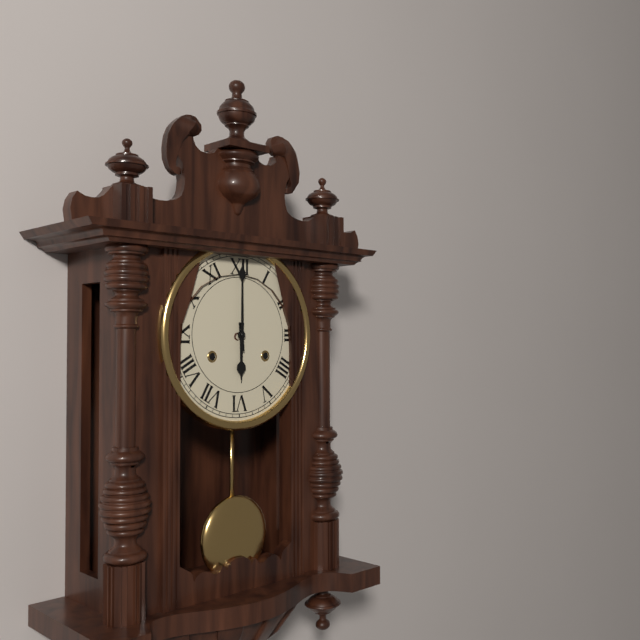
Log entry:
h=6 m=0
